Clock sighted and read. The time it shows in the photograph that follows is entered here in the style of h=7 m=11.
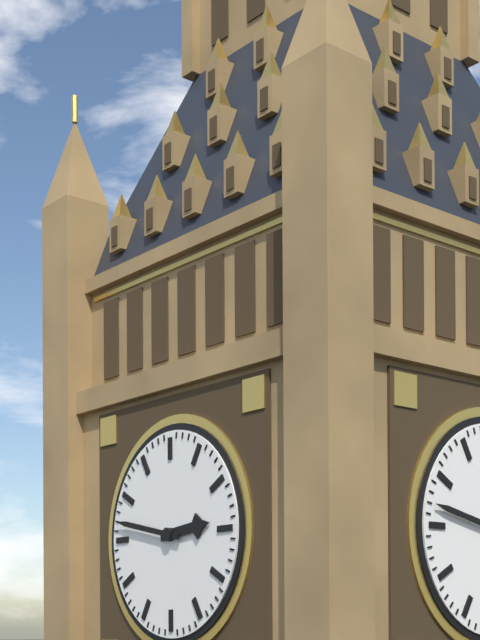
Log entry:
h=2 m=47
